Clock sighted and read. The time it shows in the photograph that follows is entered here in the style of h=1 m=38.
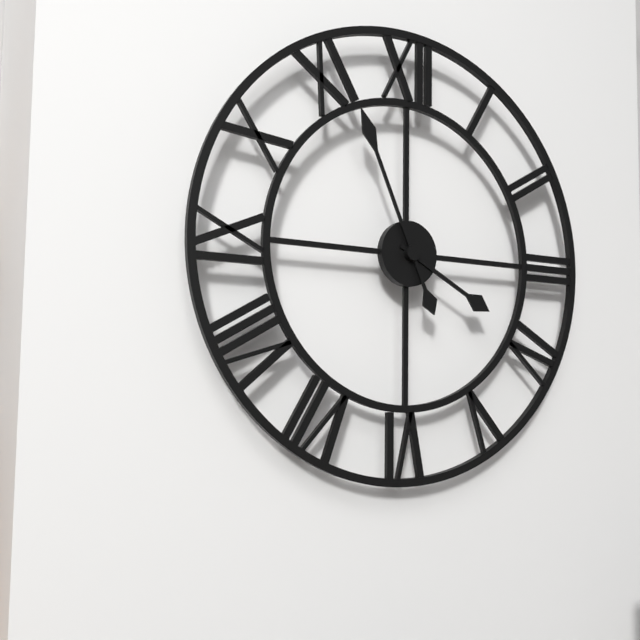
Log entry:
h=3 m=56
